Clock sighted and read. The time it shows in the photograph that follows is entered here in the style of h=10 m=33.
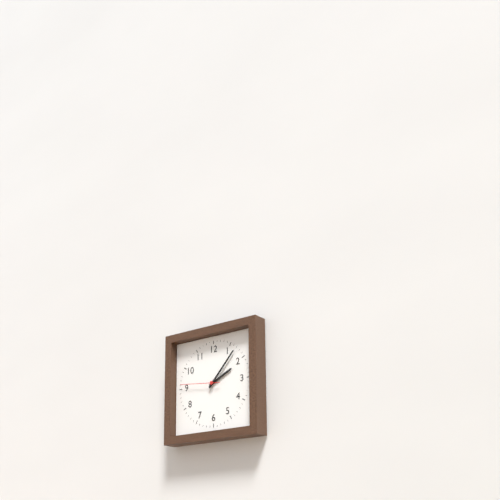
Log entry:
h=2 m=7
